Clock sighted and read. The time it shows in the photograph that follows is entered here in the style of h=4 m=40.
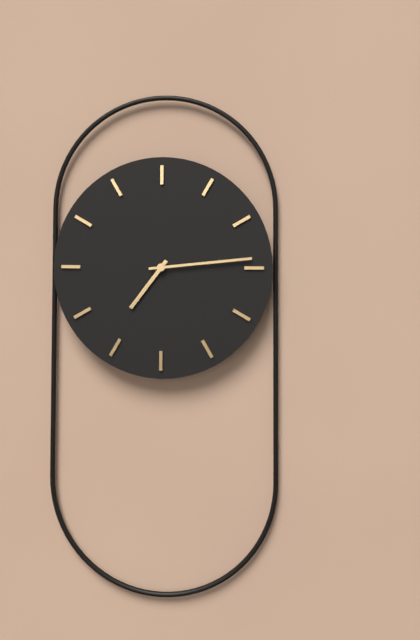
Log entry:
h=7 m=14
